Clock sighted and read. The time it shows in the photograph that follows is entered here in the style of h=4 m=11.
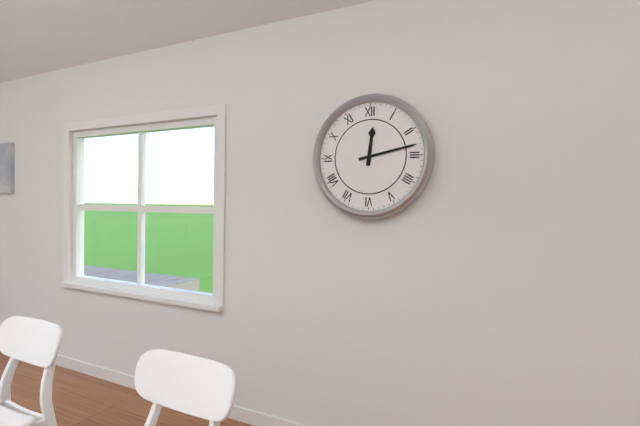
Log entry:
h=12 m=13
